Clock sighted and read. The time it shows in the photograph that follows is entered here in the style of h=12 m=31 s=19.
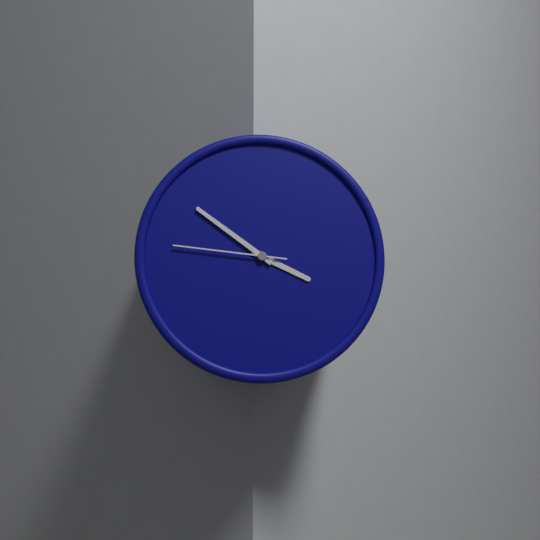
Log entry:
h=3 m=51 s=46
